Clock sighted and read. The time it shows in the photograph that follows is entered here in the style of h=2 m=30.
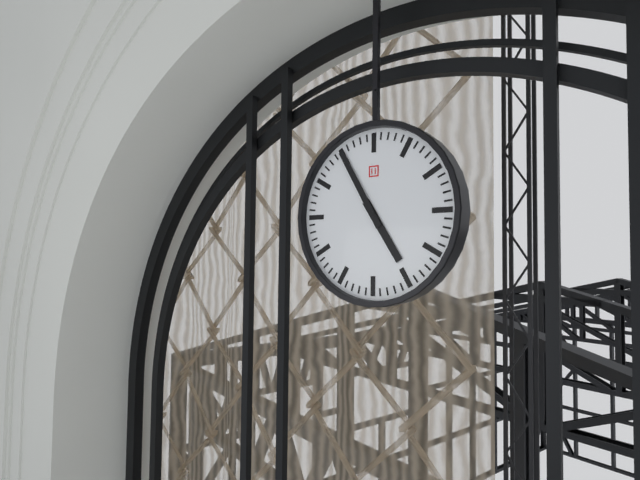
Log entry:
h=4 m=55
